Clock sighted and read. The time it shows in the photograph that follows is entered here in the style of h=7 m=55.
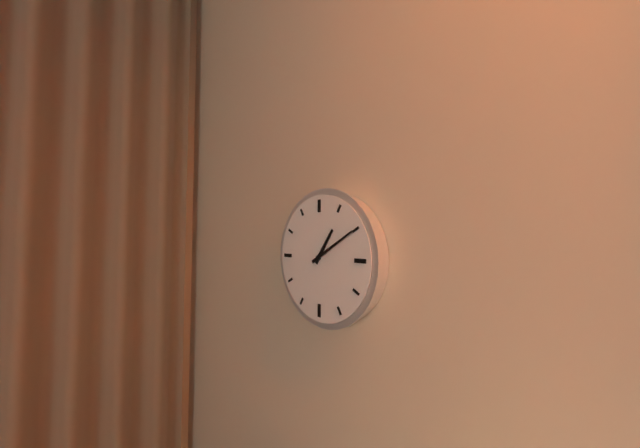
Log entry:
h=1 m=10
